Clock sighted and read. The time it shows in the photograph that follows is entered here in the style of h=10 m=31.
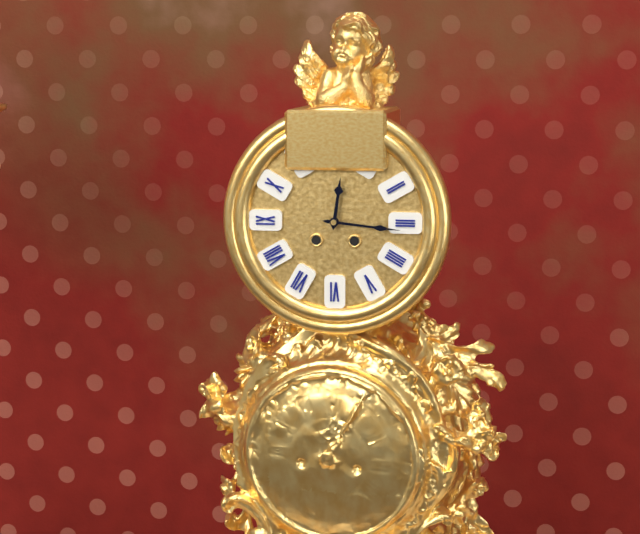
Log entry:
h=12 m=16
